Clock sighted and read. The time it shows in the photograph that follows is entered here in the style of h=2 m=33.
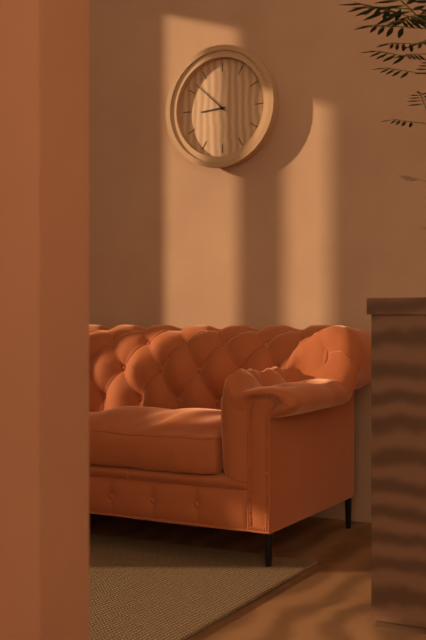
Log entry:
h=8 m=52
